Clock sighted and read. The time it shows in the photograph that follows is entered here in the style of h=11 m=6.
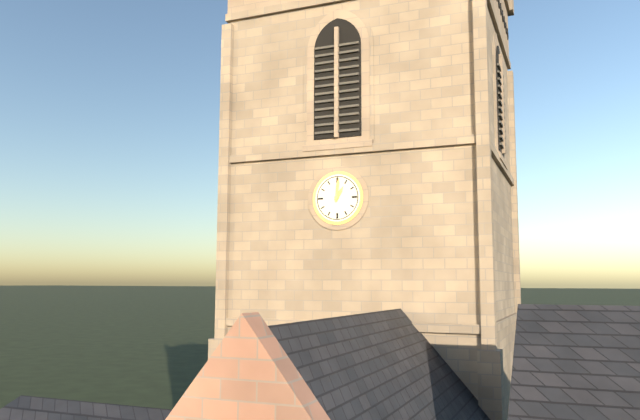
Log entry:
h=1 m=1
